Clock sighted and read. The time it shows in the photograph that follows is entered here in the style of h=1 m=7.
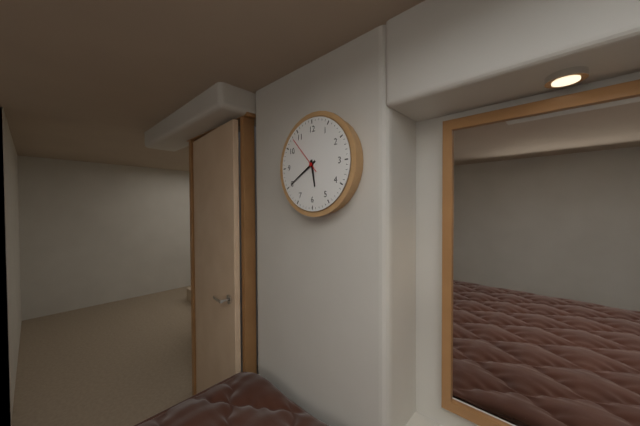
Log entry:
h=5 m=40
